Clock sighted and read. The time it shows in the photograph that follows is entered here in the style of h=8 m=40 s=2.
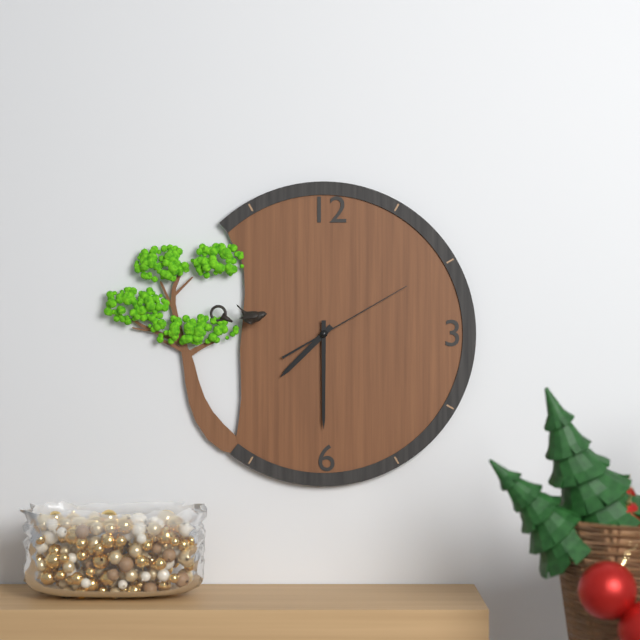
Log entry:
h=7 m=30 s=10
